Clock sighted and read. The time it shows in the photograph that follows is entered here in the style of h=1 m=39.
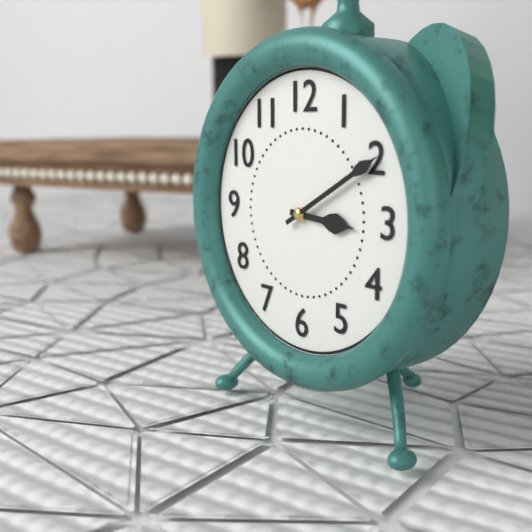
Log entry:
h=3 m=10
